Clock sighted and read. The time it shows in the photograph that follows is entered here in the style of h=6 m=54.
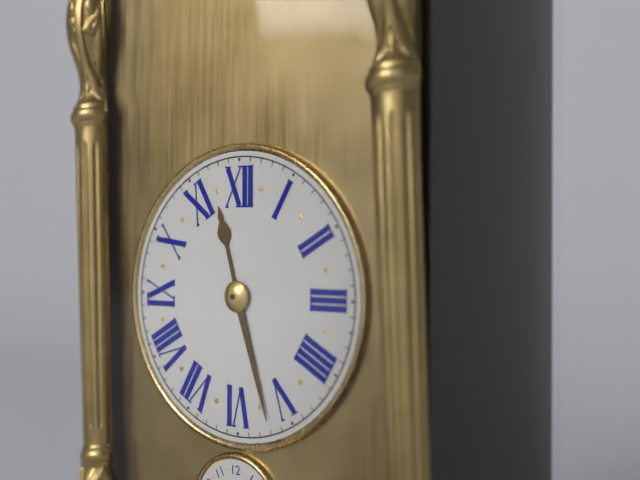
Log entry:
h=11 m=27
